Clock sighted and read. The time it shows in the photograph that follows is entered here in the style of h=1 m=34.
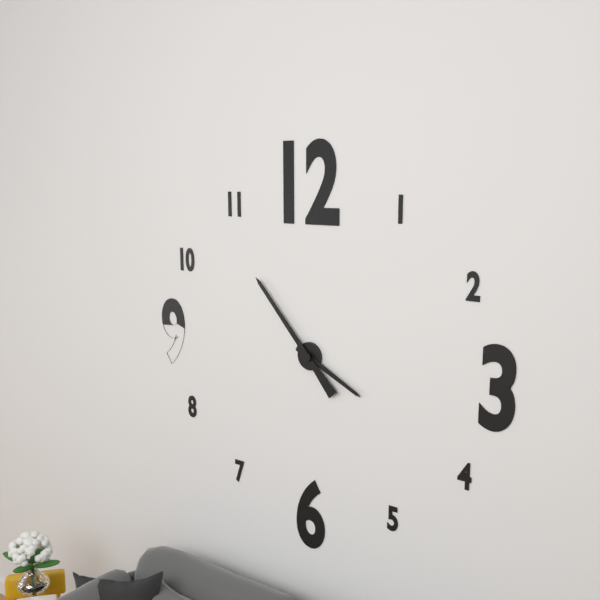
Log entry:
h=3 m=53
